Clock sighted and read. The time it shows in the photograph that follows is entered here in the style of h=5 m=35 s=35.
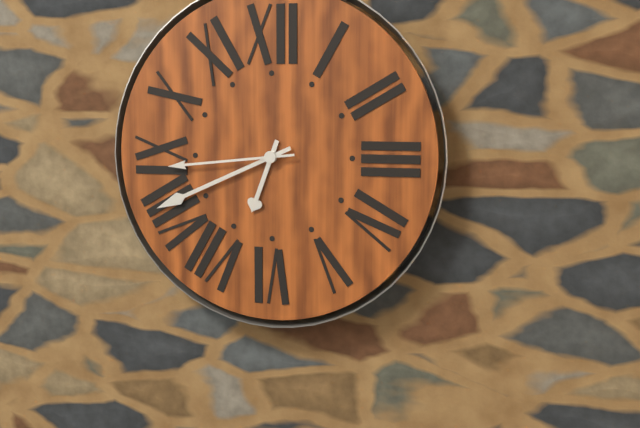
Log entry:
h=6 m=41 s=44
